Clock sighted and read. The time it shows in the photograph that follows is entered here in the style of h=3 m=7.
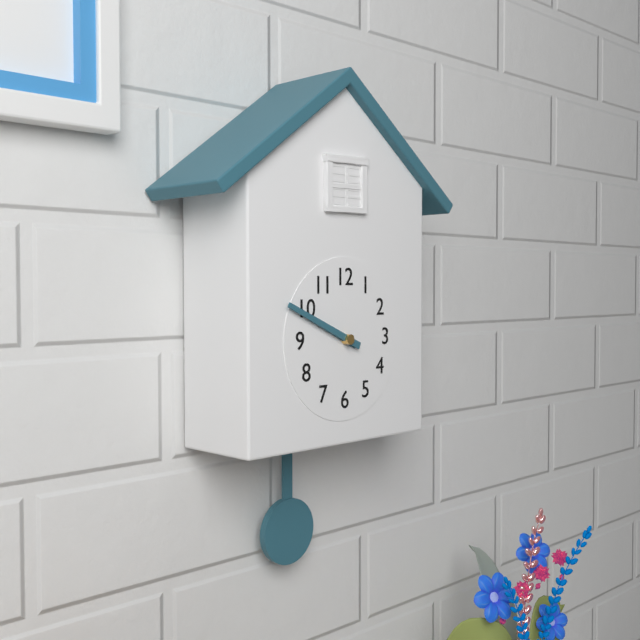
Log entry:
h=9 m=49
